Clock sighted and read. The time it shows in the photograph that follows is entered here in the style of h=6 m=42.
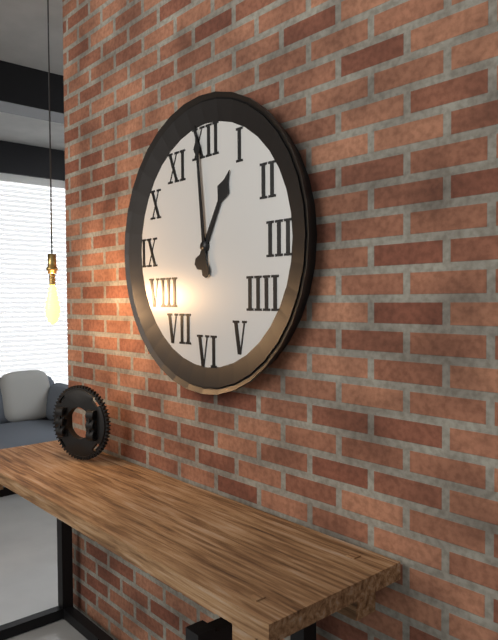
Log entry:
h=12 m=59
